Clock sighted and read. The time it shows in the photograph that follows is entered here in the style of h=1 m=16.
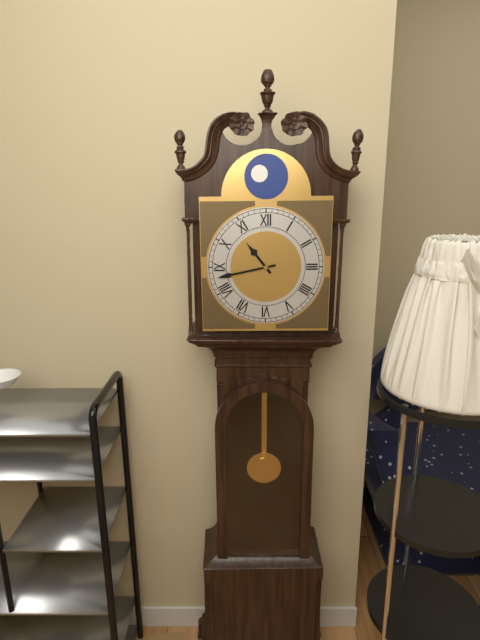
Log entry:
h=10 m=43
